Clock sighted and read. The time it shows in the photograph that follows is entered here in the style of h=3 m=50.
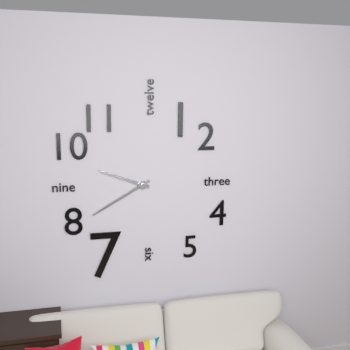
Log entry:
h=9 m=40
